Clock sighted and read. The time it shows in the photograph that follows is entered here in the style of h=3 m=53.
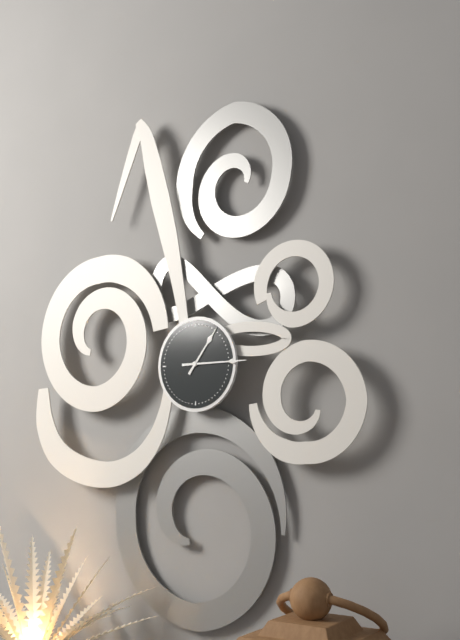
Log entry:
h=1 m=15
